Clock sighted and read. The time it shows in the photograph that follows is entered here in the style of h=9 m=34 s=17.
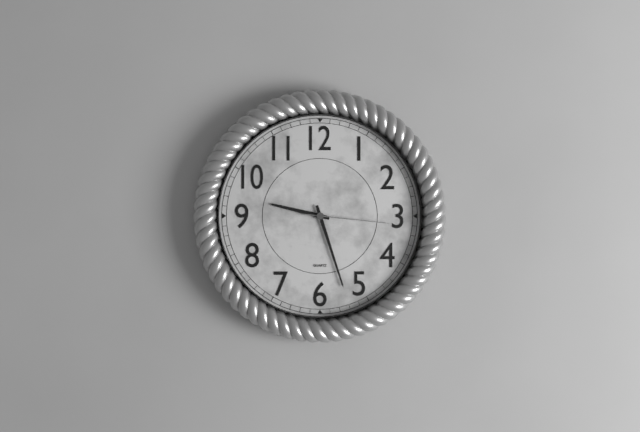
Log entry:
h=9 m=27 s=16
